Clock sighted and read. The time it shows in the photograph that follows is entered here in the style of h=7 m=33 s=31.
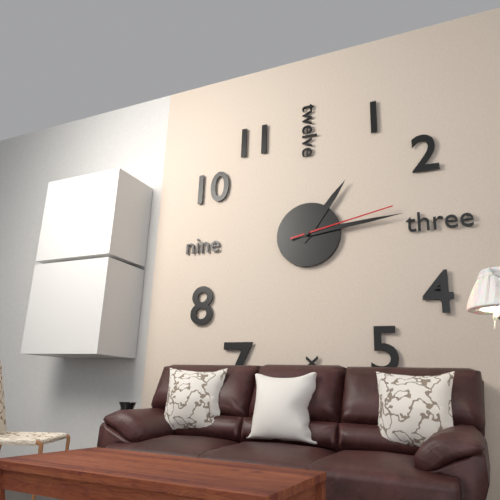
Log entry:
h=1 m=14 s=13
